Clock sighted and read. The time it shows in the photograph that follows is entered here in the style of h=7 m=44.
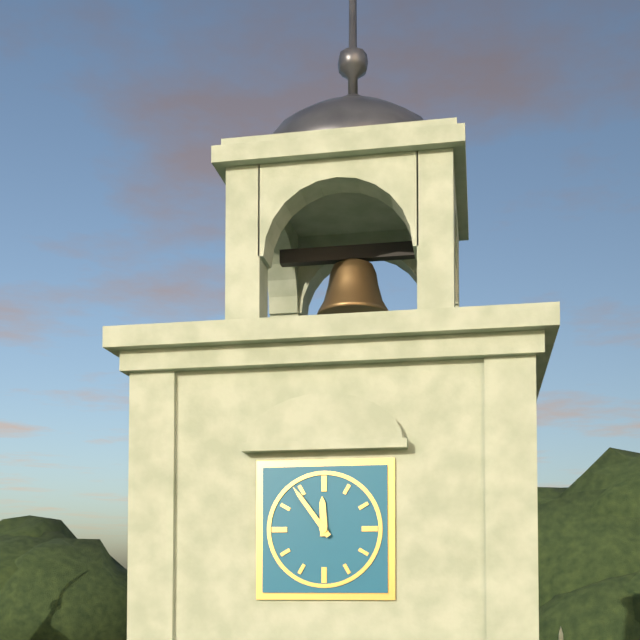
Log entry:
h=11 m=54
